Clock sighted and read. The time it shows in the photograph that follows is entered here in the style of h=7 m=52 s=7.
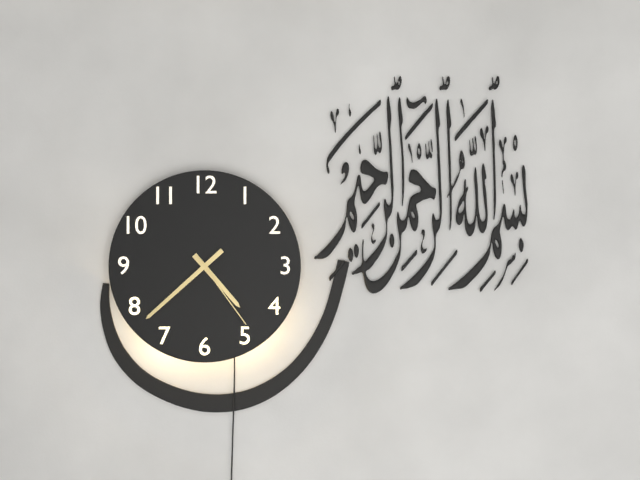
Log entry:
h=4 m=38 s=24
